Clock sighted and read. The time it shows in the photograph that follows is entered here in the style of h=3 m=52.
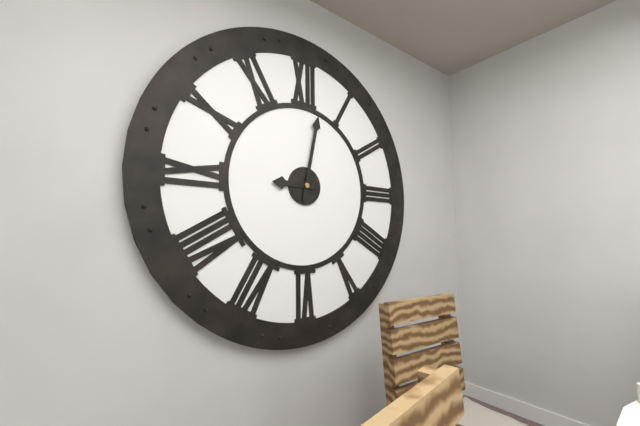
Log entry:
h=9 m=2
